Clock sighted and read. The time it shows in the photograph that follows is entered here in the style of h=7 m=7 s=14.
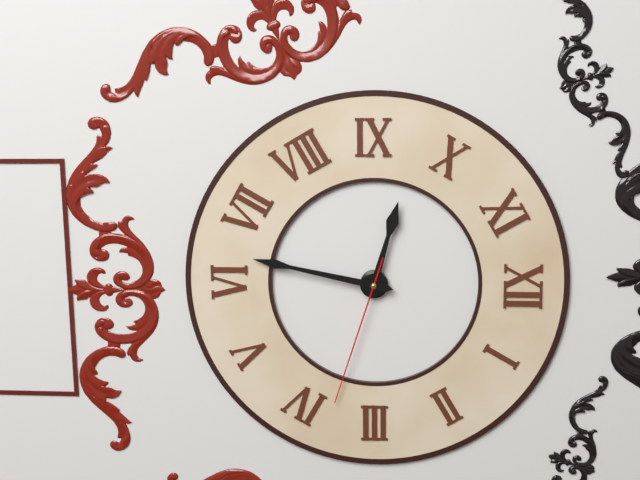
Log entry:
h=9 m=32 s=18
